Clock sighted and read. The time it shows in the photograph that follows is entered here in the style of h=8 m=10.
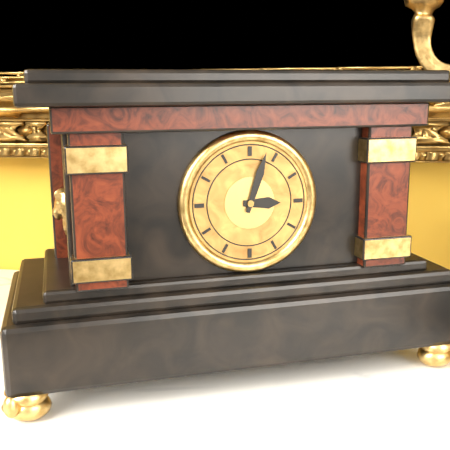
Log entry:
h=3 m=3
